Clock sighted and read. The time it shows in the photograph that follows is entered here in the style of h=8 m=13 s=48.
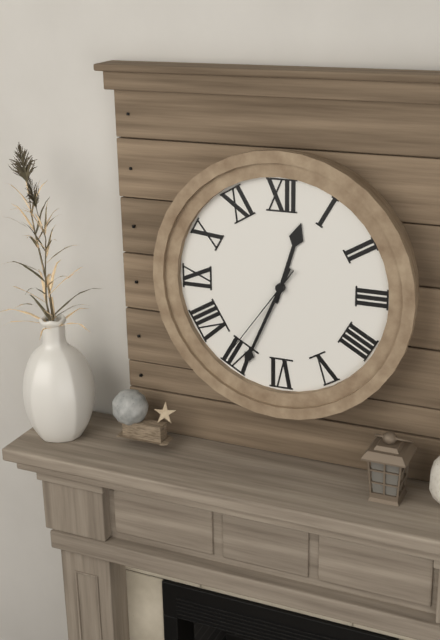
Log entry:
h=12 m=34 s=36
